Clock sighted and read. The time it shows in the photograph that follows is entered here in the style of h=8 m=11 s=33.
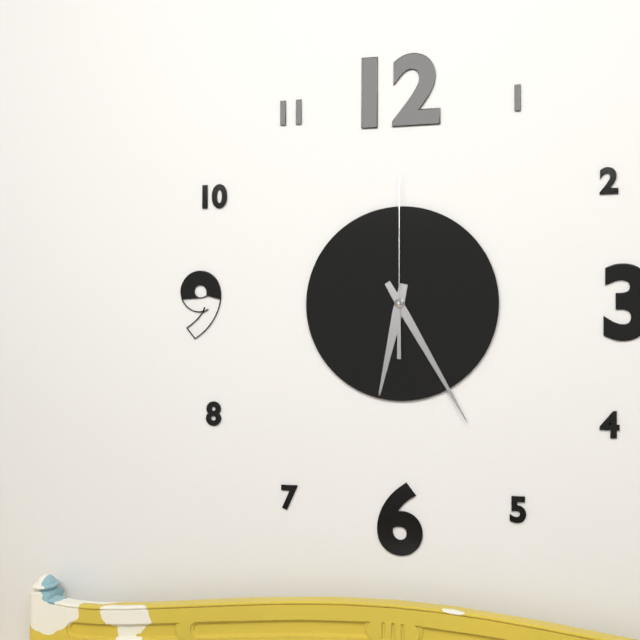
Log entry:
h=6 m=25 s=0
